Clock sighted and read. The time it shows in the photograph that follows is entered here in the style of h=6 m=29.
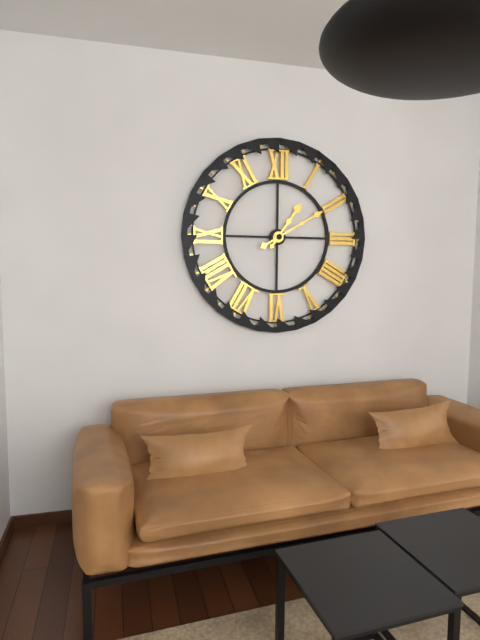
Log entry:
h=1 m=10
